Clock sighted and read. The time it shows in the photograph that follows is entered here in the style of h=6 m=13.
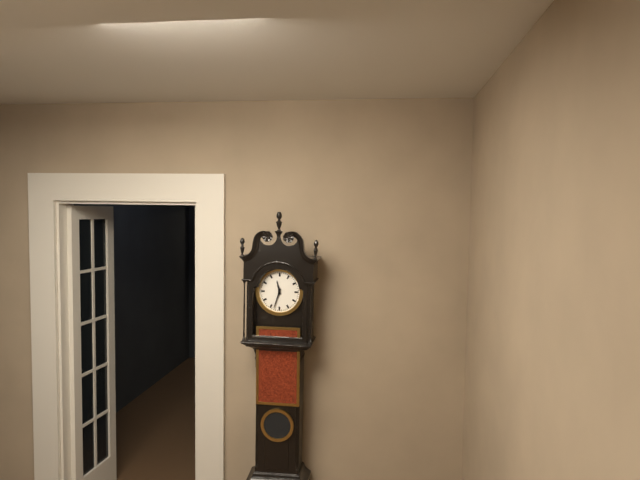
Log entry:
h=11 m=33
